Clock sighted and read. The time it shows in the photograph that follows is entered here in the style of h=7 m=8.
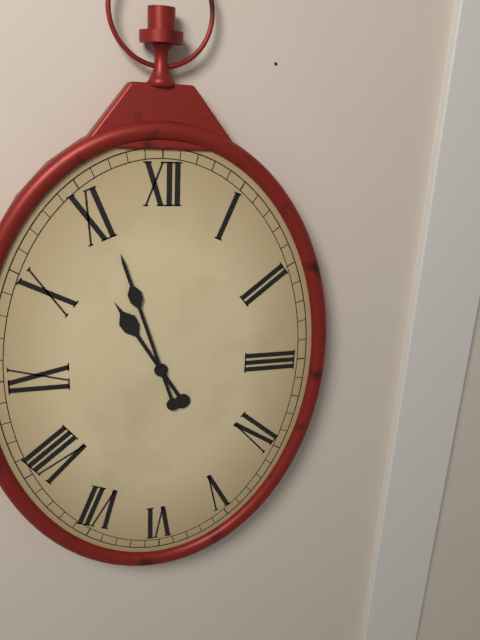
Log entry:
h=10 m=57
